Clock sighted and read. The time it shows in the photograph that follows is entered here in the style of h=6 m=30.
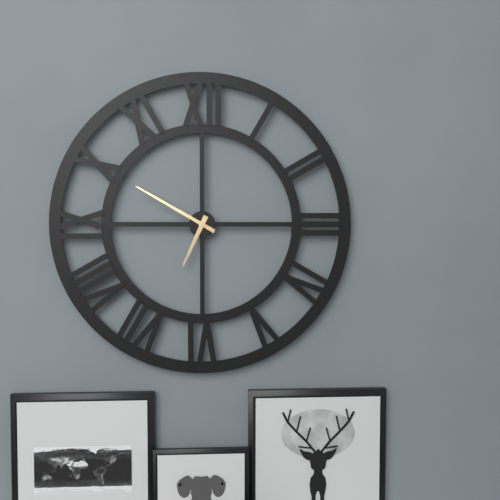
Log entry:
h=6 m=50
